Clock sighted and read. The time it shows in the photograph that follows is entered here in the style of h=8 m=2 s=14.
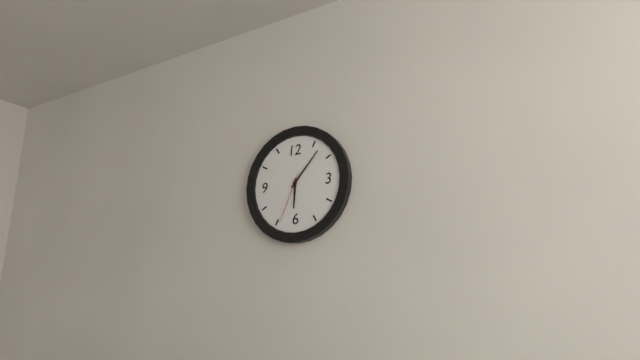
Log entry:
h=6 m=7 s=34
